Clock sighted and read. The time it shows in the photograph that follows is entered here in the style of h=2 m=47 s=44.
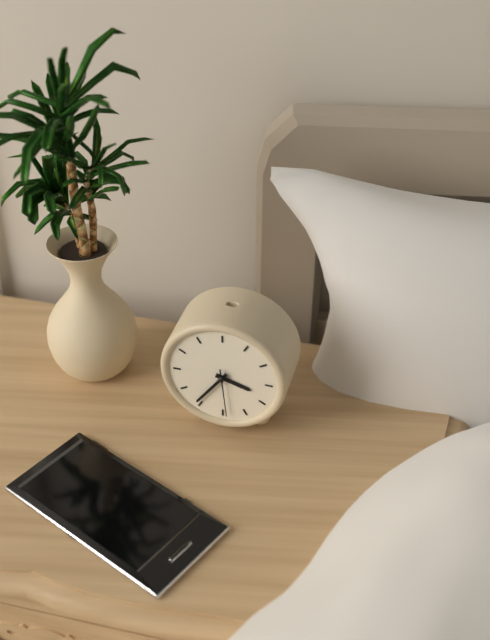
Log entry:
h=3 m=36 s=29
